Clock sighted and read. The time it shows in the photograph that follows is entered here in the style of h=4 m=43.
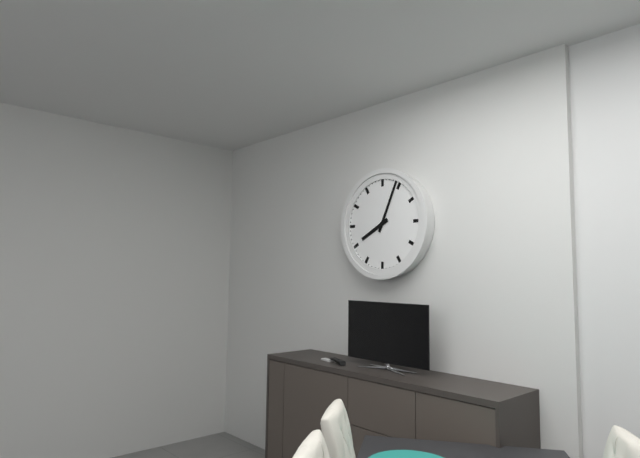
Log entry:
h=8 m=4
